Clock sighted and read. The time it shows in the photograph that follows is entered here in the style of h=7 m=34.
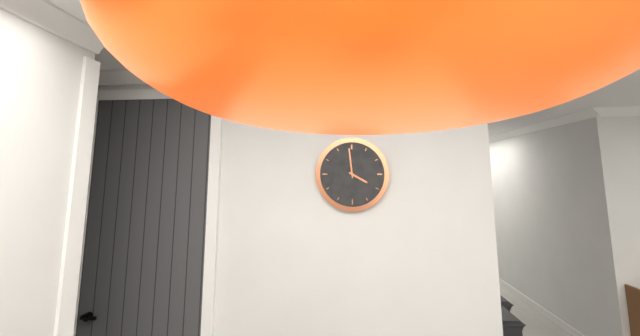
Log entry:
h=3 m=59
